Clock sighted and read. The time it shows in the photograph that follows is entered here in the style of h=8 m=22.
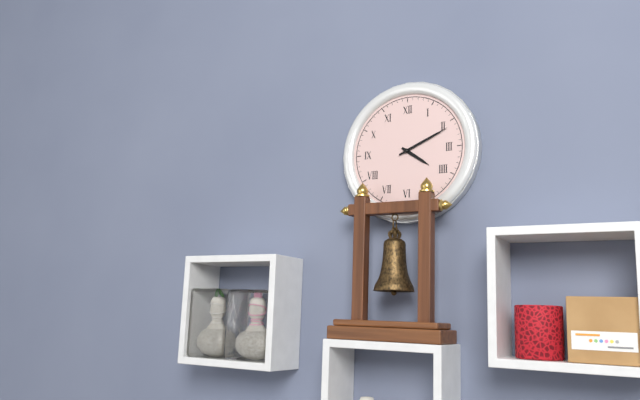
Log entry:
h=4 m=11
